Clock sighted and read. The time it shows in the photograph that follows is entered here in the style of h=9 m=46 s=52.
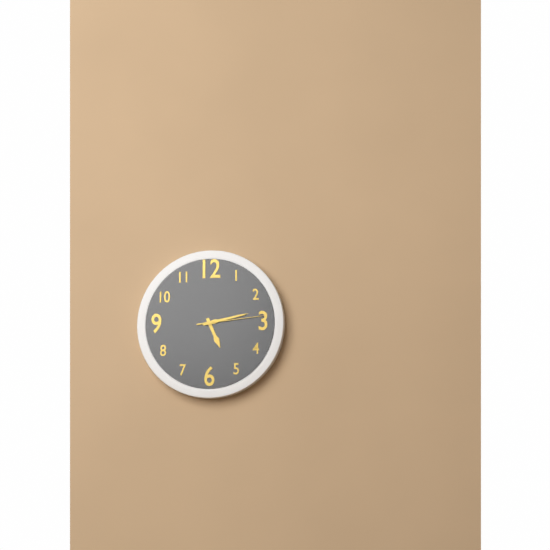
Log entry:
h=5 m=13 s=14
